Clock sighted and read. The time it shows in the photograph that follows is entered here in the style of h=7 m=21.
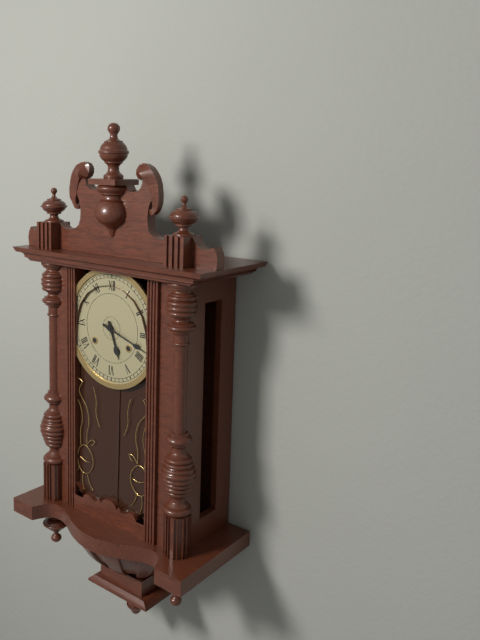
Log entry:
h=5 m=18
